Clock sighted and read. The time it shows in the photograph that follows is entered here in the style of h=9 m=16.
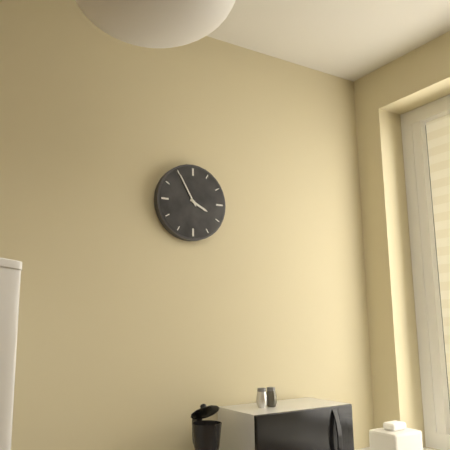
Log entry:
h=3 m=55
